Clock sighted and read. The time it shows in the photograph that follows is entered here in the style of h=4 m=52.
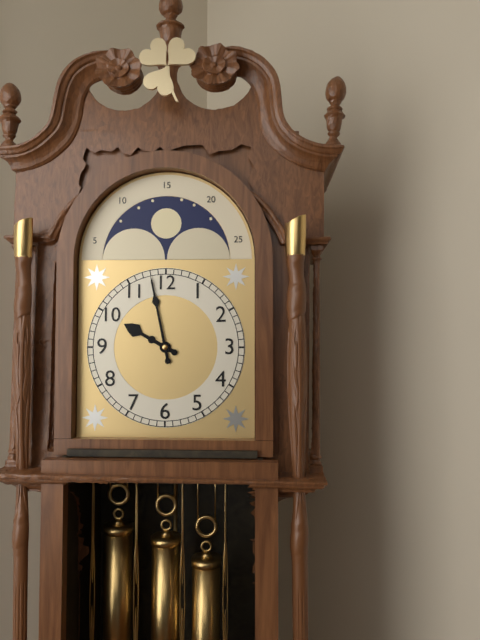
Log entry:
h=9 m=58
